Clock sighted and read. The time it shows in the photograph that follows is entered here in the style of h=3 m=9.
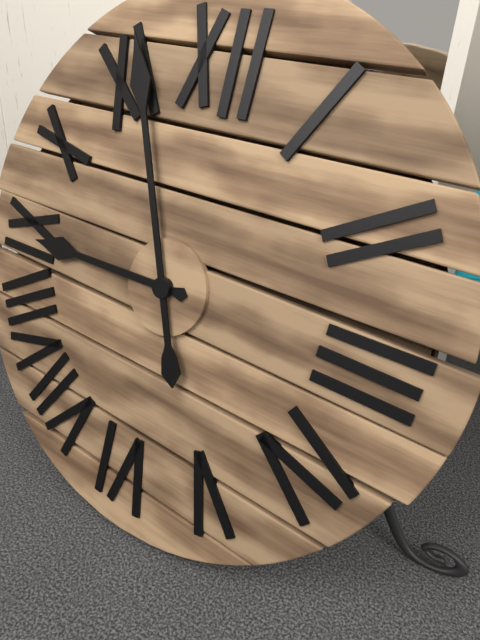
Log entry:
h=8 m=56
